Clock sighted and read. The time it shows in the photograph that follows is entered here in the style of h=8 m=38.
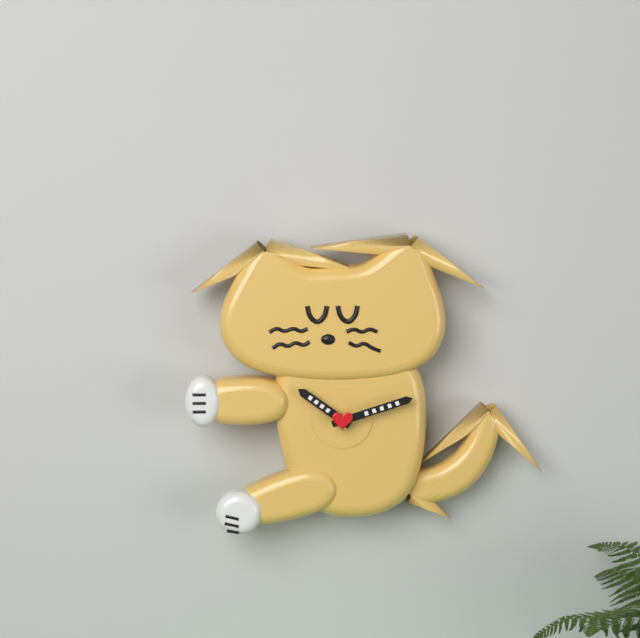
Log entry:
h=10 m=12
